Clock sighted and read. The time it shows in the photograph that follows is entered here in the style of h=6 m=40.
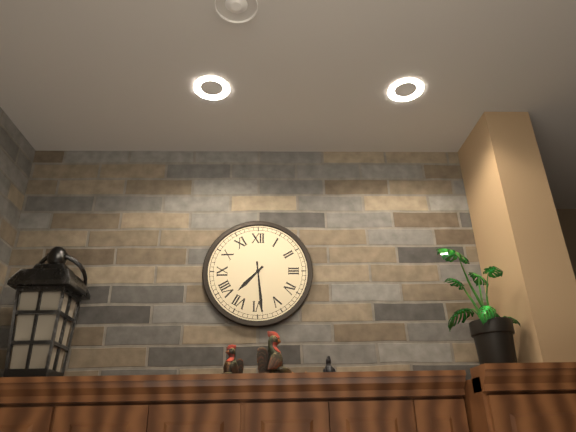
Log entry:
h=7 m=29
